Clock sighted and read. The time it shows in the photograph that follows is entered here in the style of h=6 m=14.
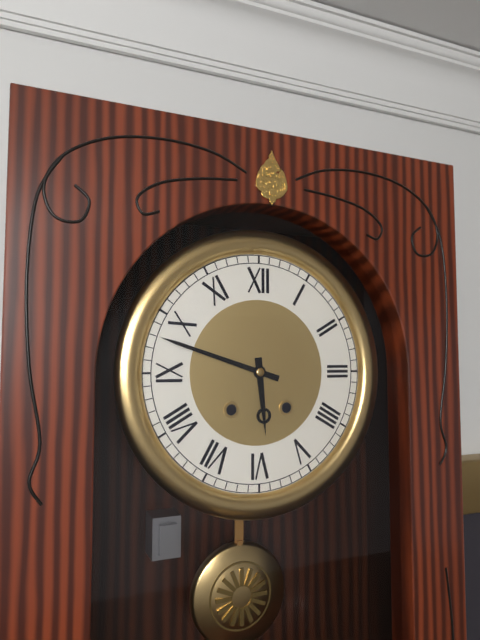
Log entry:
h=5 m=48
